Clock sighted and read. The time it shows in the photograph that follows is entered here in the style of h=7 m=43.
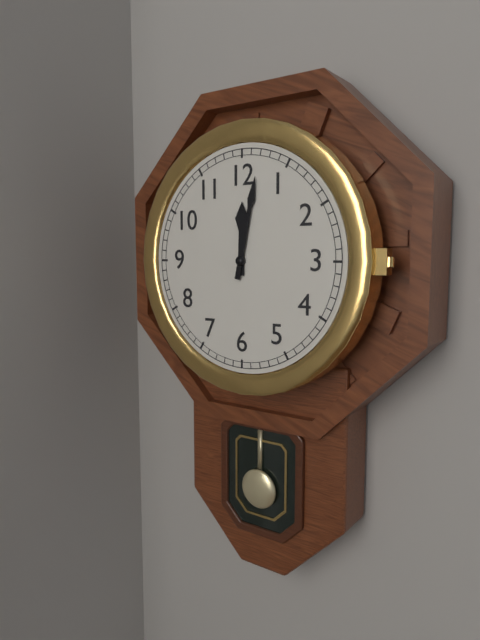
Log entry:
h=12 m=2
